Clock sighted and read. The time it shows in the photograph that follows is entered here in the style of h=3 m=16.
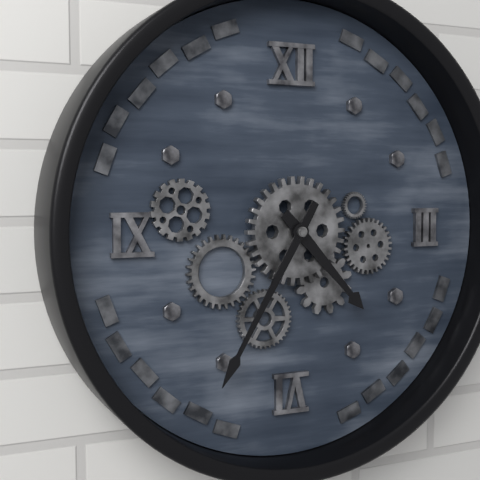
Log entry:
h=4 m=35
